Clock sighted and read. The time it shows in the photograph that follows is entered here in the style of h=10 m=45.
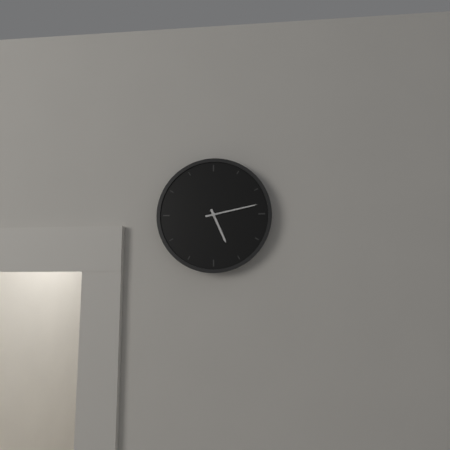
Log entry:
h=5 m=13
